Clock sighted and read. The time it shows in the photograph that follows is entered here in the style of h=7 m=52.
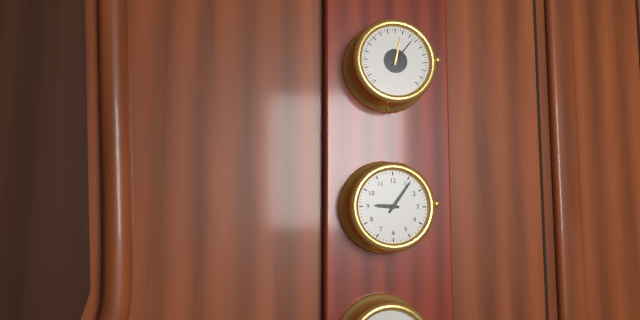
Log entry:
h=9 m=6
